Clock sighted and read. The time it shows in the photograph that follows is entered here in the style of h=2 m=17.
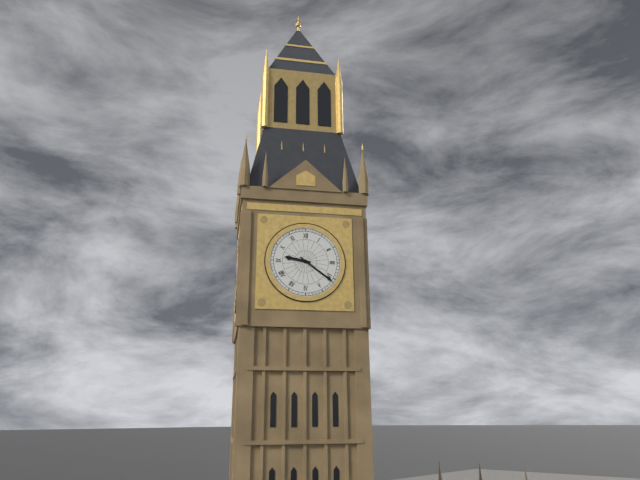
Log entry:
h=9 m=21
